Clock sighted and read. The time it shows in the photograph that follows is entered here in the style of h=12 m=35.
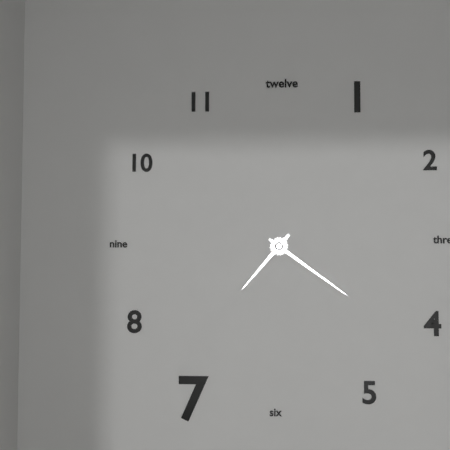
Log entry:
h=7 m=21
